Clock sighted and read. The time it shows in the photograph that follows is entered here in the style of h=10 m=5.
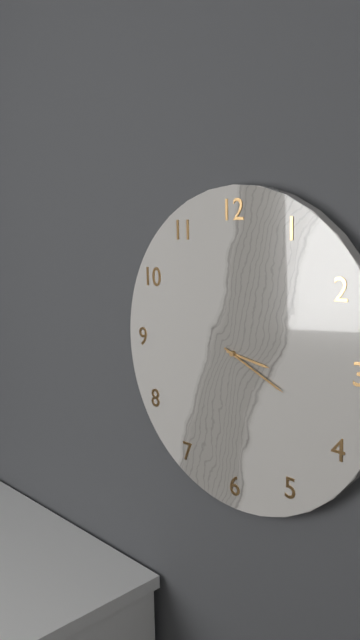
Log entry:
h=3 m=19
